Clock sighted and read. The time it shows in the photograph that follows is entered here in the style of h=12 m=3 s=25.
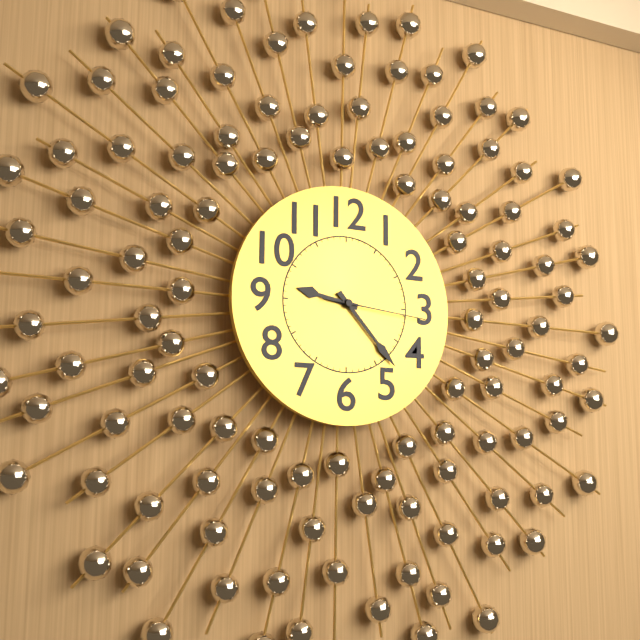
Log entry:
h=9 m=23 s=16
